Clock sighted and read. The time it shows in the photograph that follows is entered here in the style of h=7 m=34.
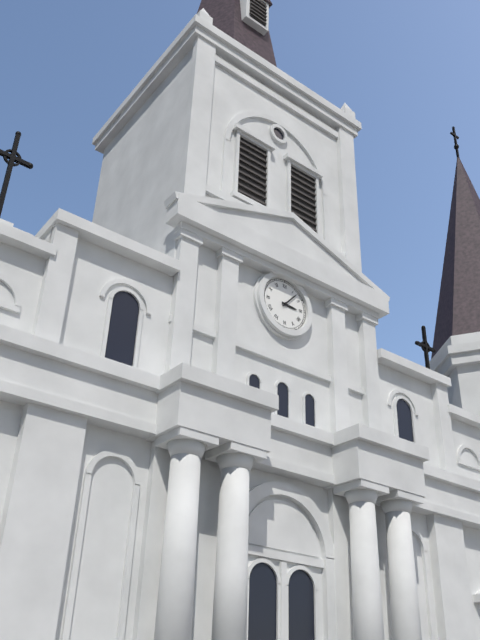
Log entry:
h=3 m=7
